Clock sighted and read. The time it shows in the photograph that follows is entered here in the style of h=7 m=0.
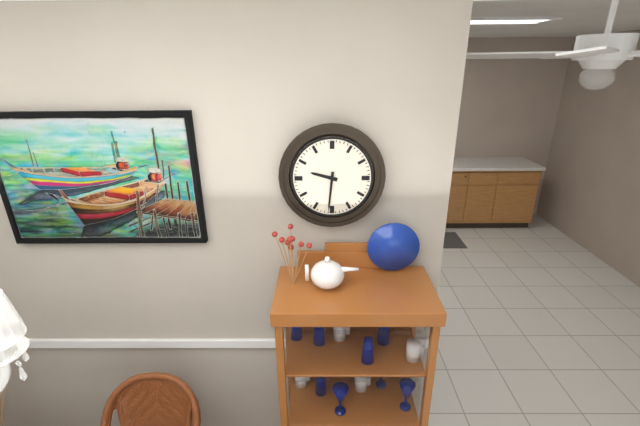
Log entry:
h=9 m=31
